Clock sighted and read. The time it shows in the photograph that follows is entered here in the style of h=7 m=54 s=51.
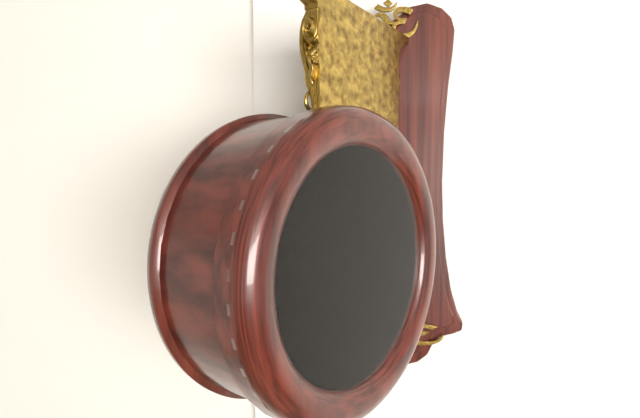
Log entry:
h=11 m=45 s=54
